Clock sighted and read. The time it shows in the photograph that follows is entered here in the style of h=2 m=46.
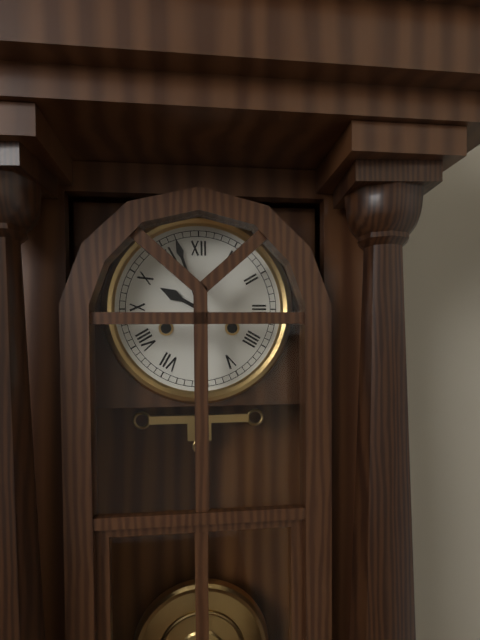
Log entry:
h=9 m=57
